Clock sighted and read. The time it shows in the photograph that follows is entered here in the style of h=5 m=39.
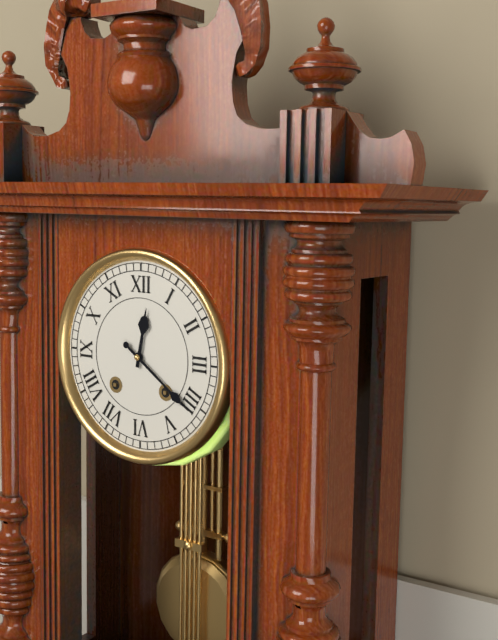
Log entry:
h=12 m=21
